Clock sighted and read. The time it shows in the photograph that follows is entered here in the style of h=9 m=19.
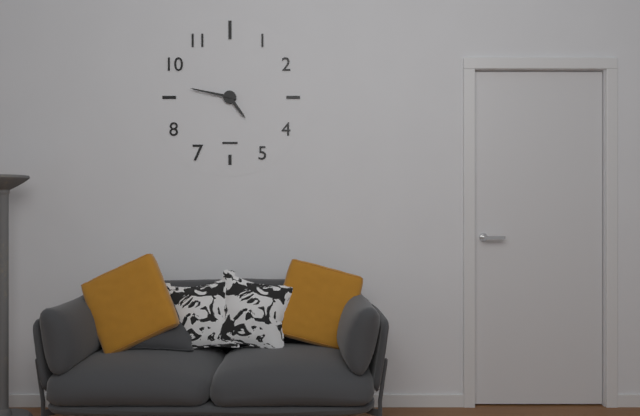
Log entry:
h=4 m=47
